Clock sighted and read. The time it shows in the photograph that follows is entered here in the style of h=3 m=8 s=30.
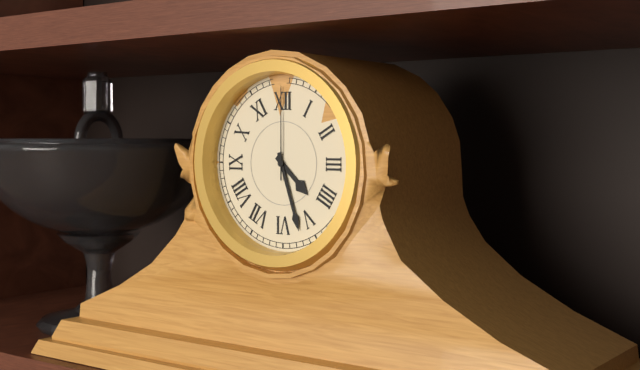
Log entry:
h=4 m=27 s=0
